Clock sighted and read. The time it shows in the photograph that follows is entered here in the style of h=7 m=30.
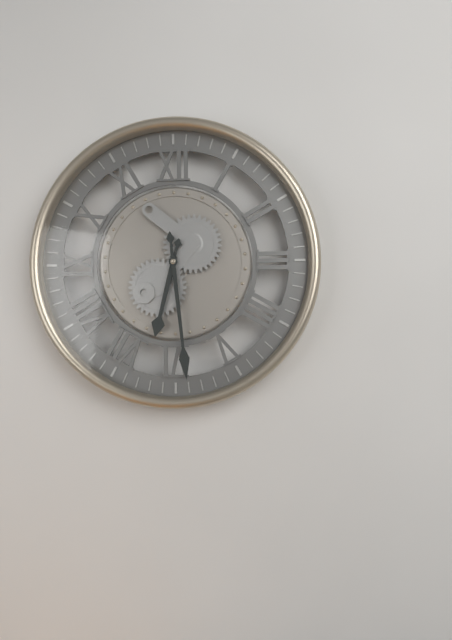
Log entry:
h=6 m=29
